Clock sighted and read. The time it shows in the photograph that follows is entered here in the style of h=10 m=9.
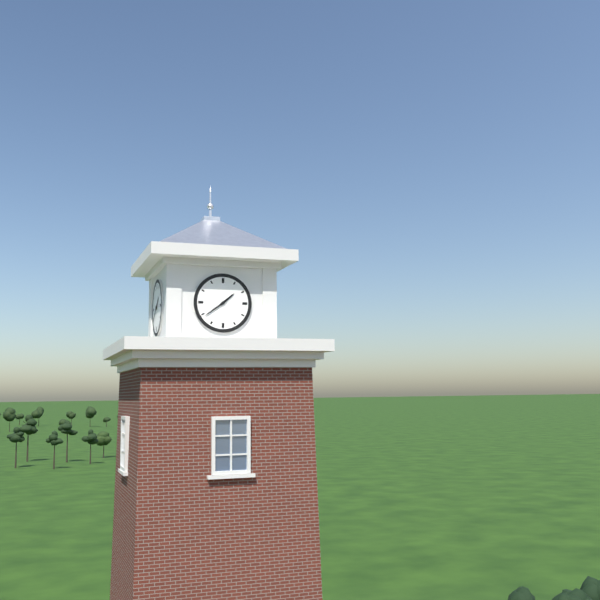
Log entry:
h=1 m=39
